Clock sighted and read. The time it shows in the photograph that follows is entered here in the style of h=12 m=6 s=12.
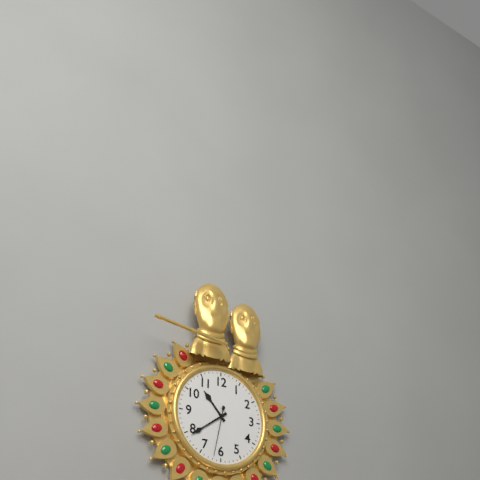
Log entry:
h=10 m=39 s=32
